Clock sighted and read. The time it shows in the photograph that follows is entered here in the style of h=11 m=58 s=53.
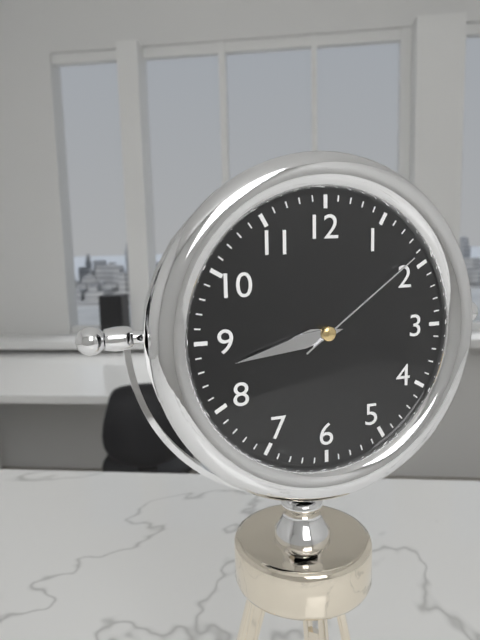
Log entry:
h=8 m=43 s=9
